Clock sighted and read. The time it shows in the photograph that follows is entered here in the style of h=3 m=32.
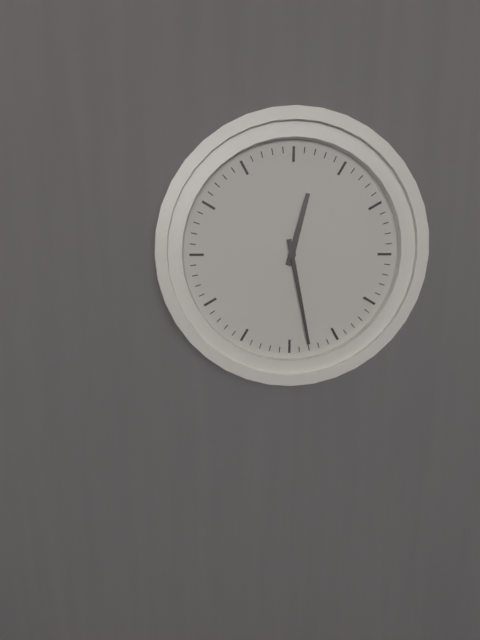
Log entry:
h=12 m=28
